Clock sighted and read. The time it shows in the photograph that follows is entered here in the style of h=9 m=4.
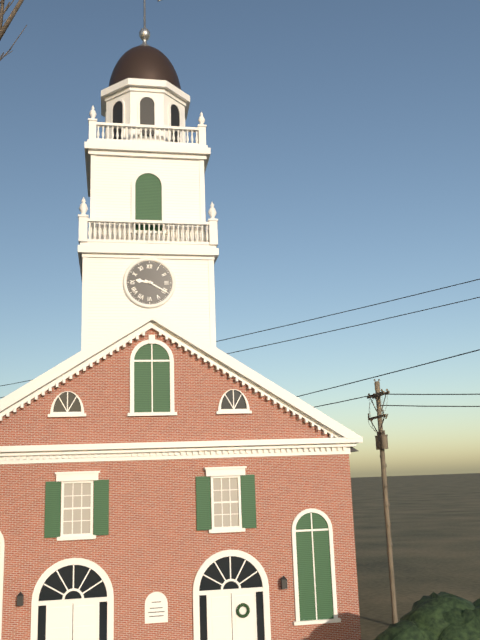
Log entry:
h=9 m=20
